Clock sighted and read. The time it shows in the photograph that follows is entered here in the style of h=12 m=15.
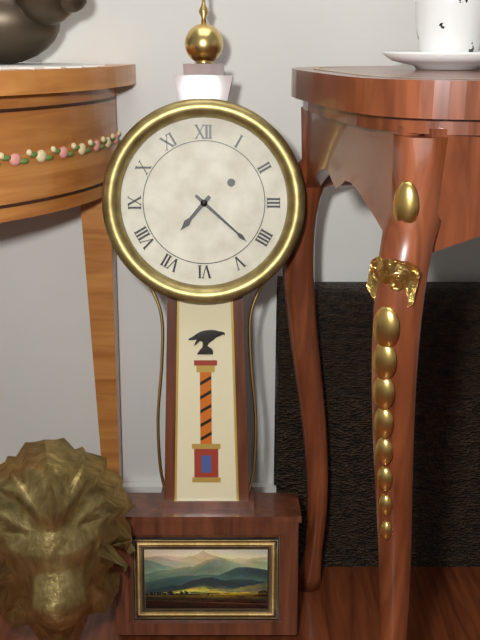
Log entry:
h=7 m=22
